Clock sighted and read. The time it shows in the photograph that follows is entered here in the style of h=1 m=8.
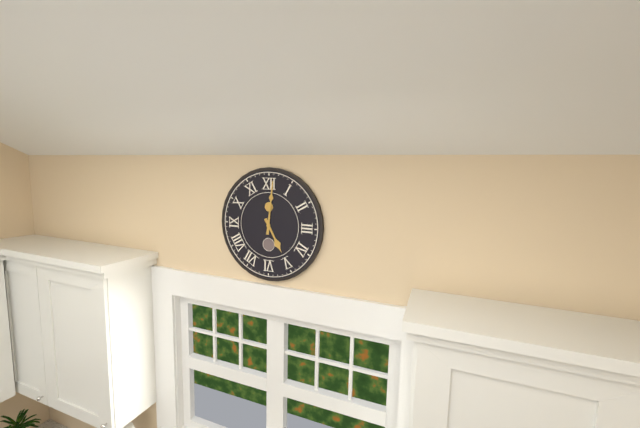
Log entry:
h=5 m=1
